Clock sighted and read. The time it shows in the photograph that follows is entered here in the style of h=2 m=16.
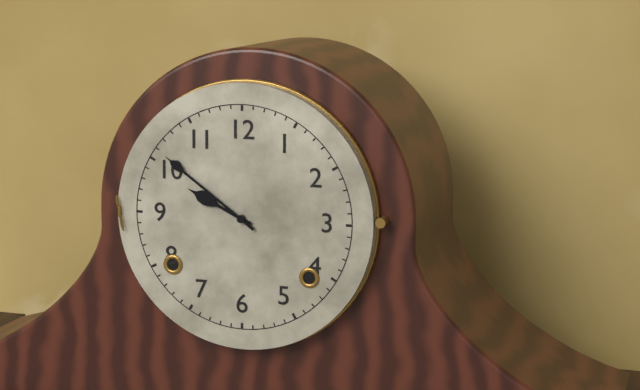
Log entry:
h=9 m=51
